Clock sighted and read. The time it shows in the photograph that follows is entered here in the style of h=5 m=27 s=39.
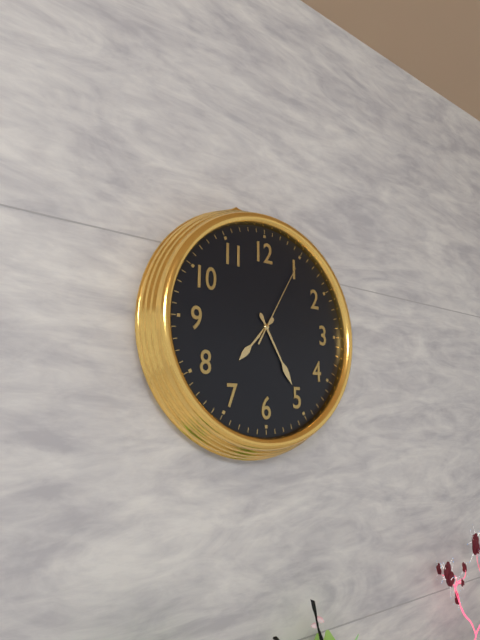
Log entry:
h=7 m=25 s=5
